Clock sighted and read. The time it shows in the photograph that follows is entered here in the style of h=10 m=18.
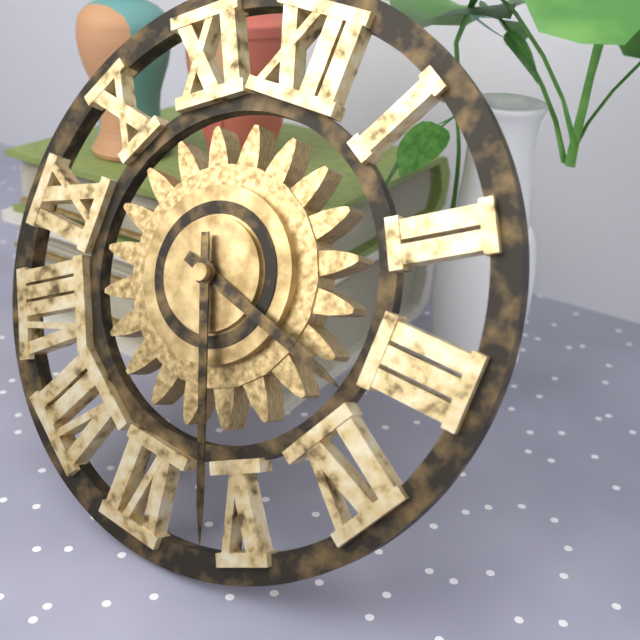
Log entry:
h=3 m=26
